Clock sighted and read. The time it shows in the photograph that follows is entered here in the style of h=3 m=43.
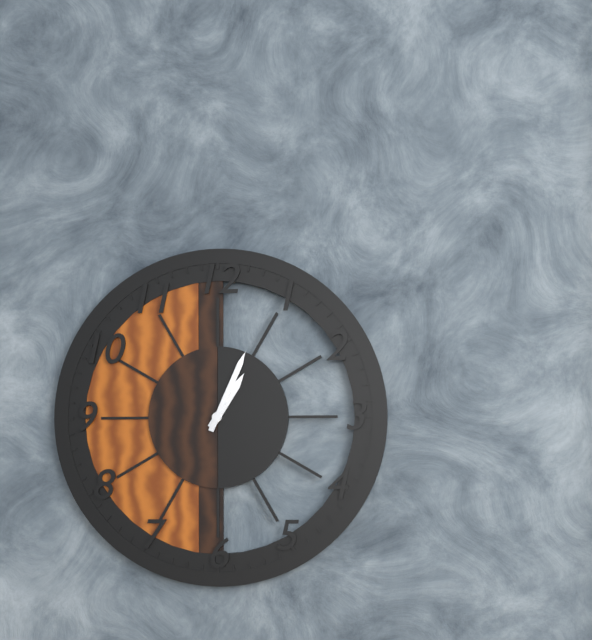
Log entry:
h=1 m=4
